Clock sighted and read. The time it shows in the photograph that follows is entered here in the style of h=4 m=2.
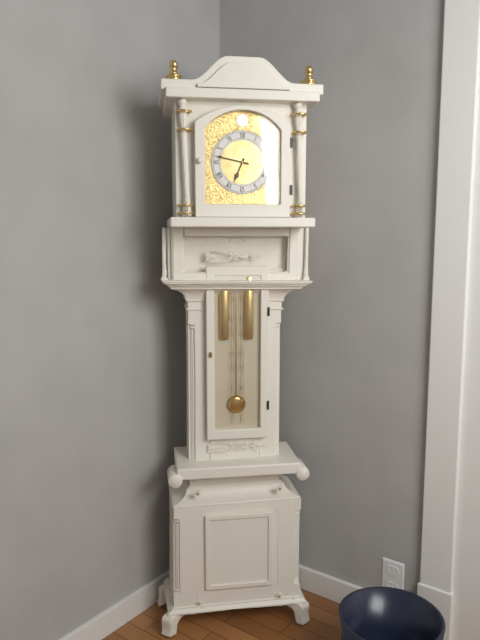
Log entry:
h=6 m=47
